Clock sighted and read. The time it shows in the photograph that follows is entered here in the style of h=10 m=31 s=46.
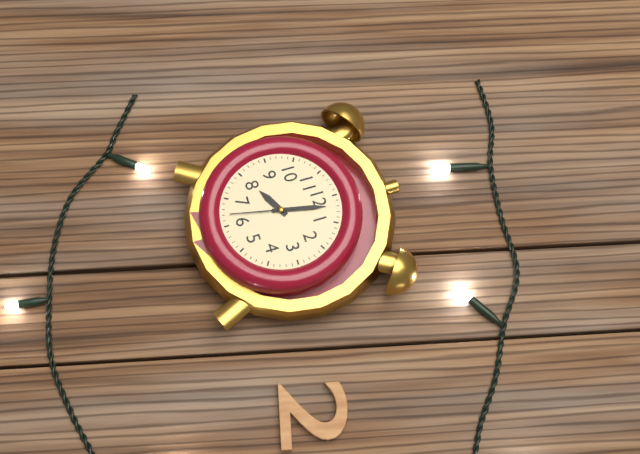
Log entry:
h=8 m=2 s=32
